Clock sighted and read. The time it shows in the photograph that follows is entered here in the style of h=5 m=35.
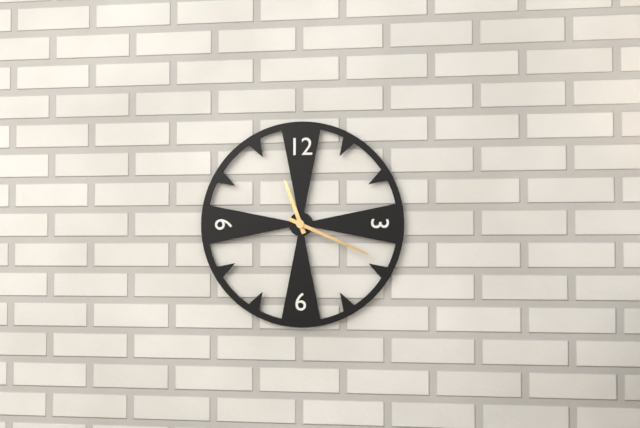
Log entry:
h=11 m=19
